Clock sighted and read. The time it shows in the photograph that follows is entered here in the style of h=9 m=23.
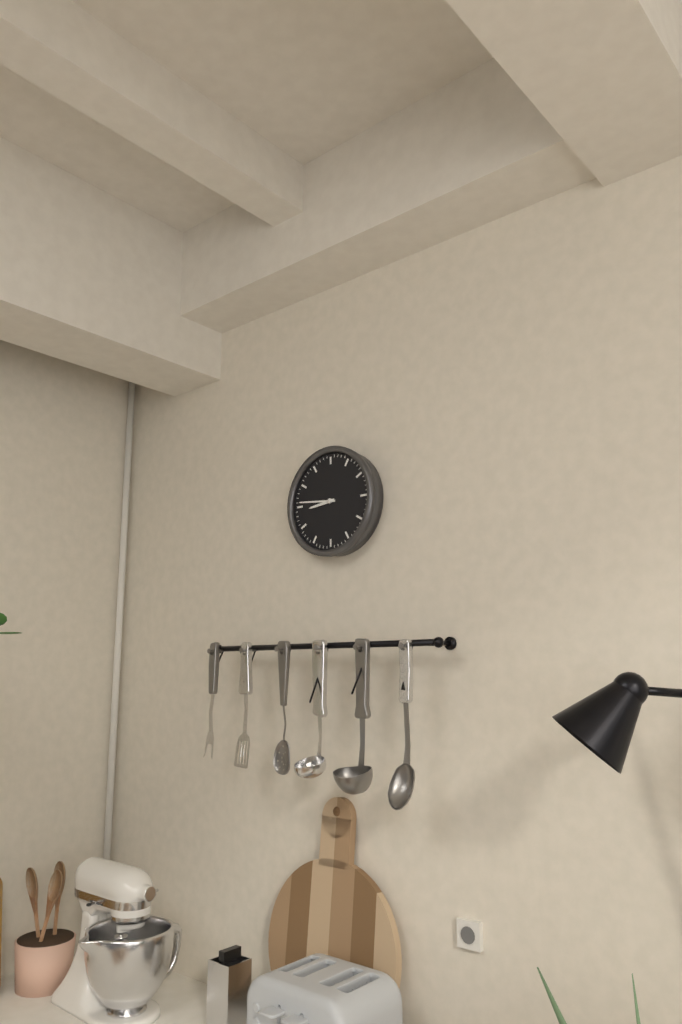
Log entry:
h=8 m=46
